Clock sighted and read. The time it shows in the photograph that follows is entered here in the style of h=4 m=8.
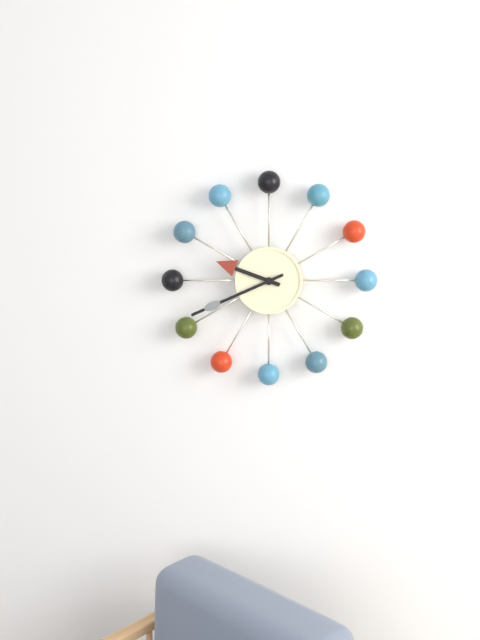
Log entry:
h=9 m=41
